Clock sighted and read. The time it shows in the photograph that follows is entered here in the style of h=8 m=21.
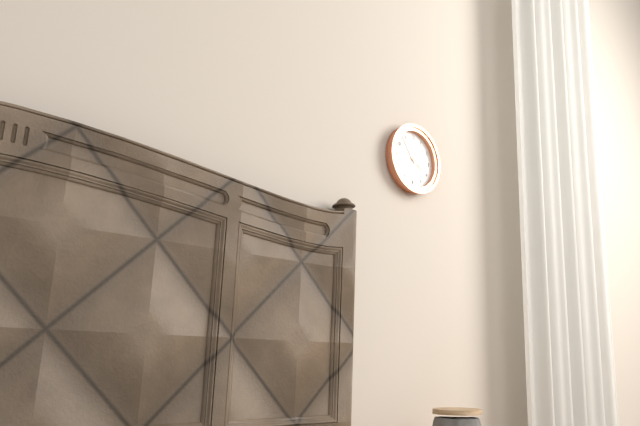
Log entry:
h=3 m=54
